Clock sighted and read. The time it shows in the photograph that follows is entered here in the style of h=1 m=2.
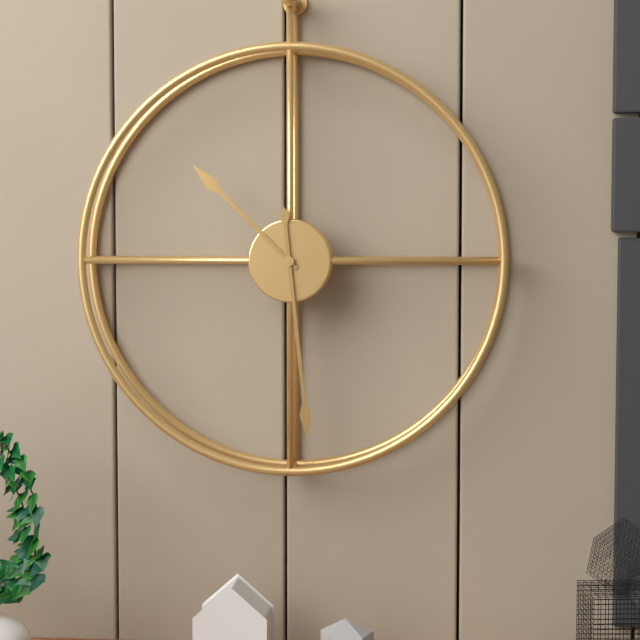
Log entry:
h=10 m=29
